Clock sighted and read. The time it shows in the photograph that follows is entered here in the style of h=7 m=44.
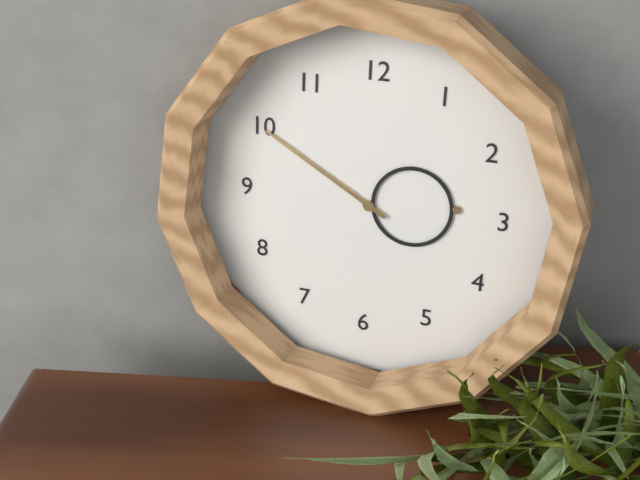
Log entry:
h=2 m=50
